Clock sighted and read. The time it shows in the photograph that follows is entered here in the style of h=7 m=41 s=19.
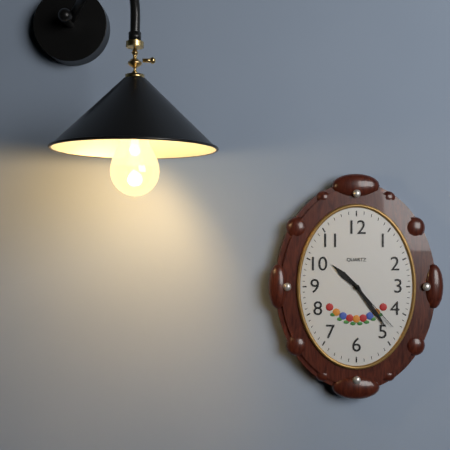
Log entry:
h=10 m=24 s=23
